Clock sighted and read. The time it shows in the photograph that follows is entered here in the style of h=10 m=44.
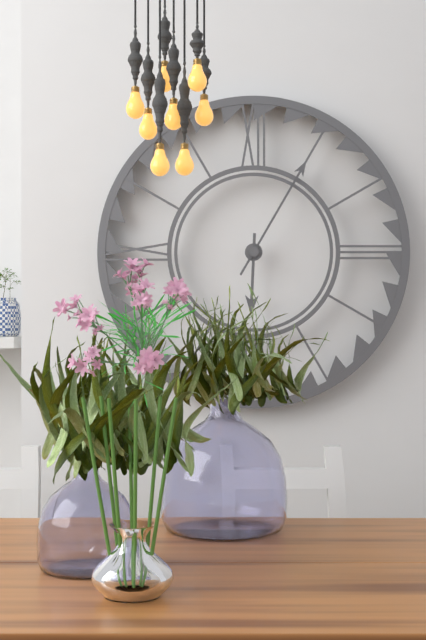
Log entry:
h=6 m=5
